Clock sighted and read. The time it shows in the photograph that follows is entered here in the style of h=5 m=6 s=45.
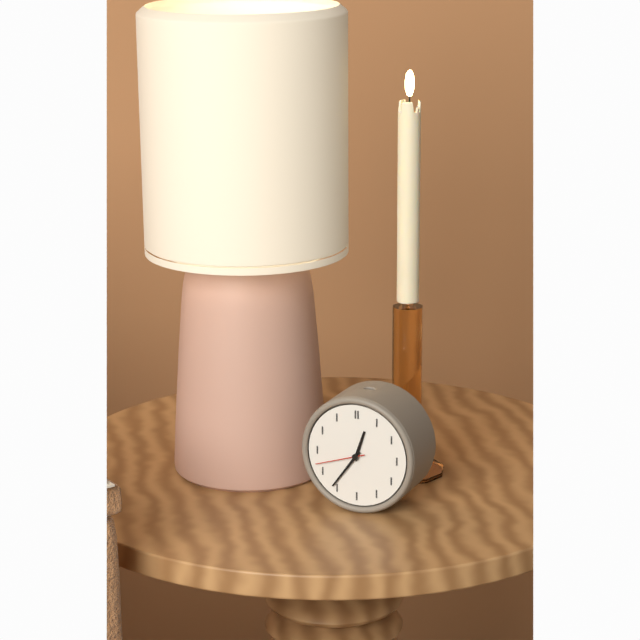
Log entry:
h=12 m=36 s=42
